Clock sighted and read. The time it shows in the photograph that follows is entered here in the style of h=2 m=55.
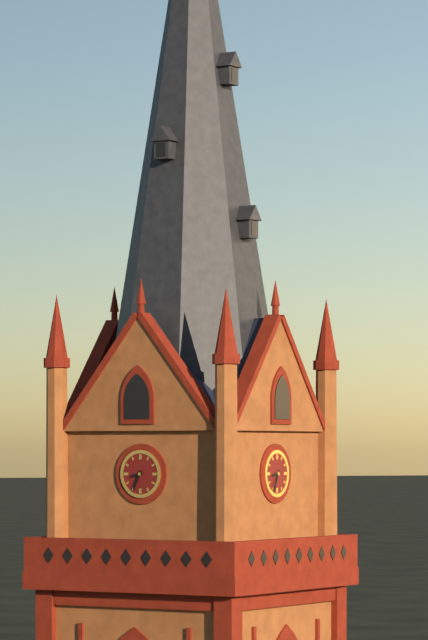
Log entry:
h=8 m=34
